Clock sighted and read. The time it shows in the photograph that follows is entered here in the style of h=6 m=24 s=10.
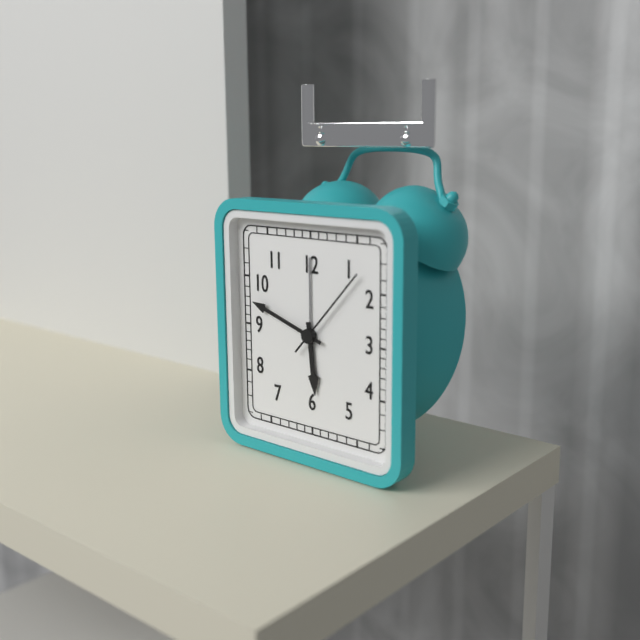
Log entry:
h=5 m=48 s=7
